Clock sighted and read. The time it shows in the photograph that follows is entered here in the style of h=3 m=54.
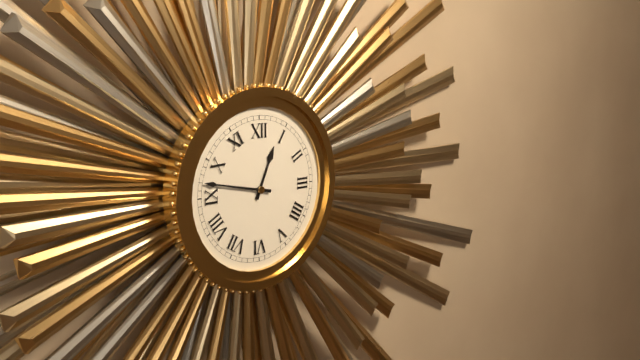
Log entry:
h=12 m=47
